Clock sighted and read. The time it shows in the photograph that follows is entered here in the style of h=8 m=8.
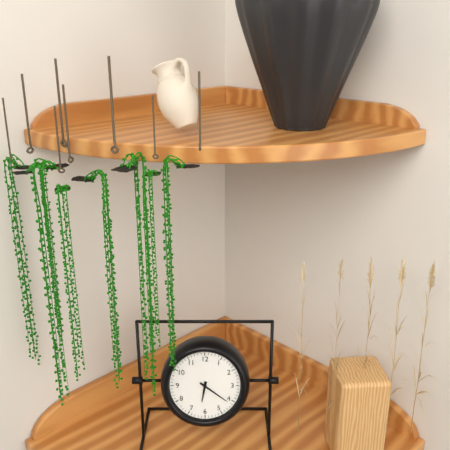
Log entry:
h=6 m=21
